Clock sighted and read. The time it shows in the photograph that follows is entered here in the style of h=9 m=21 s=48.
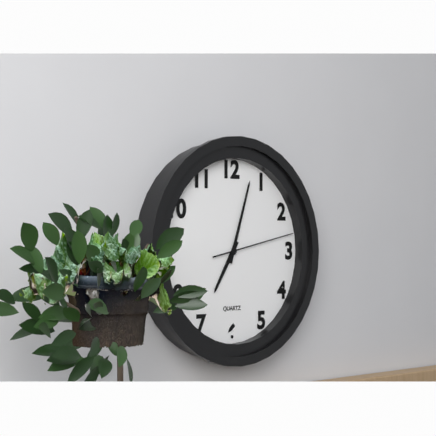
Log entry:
h=7 m=3 s=13
